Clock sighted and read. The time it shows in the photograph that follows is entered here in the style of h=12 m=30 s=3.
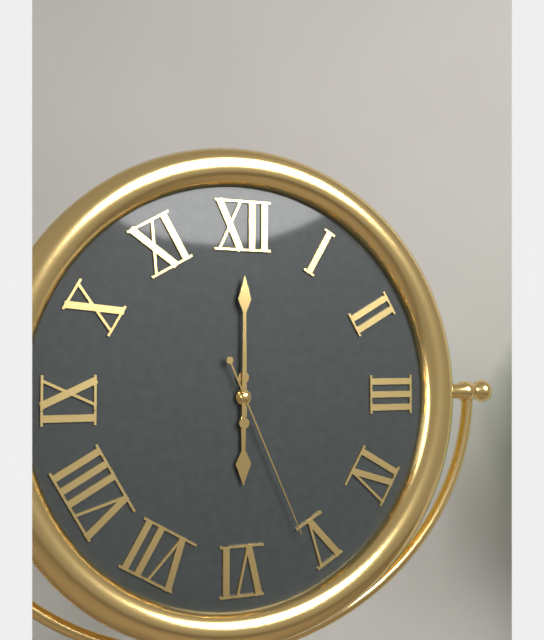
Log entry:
h=6 m=0 s=26
